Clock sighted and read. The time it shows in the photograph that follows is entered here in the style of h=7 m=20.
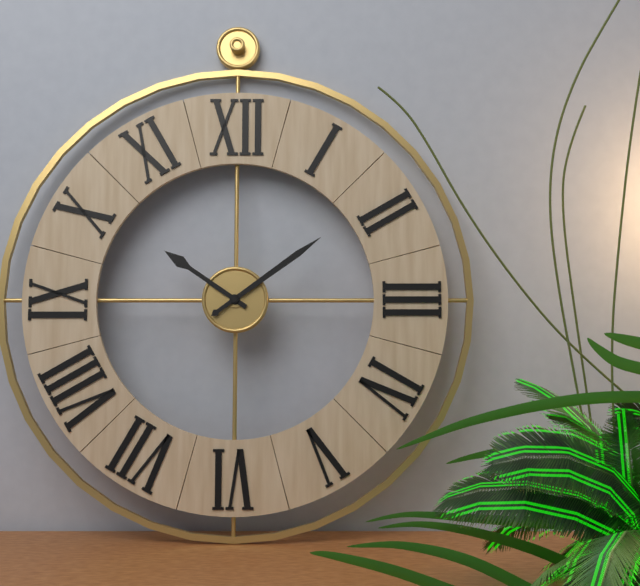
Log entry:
h=10 m=9
